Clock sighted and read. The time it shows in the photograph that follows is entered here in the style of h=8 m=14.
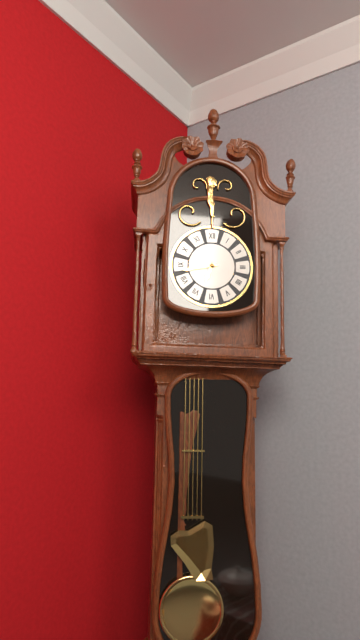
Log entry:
h=6 m=43
